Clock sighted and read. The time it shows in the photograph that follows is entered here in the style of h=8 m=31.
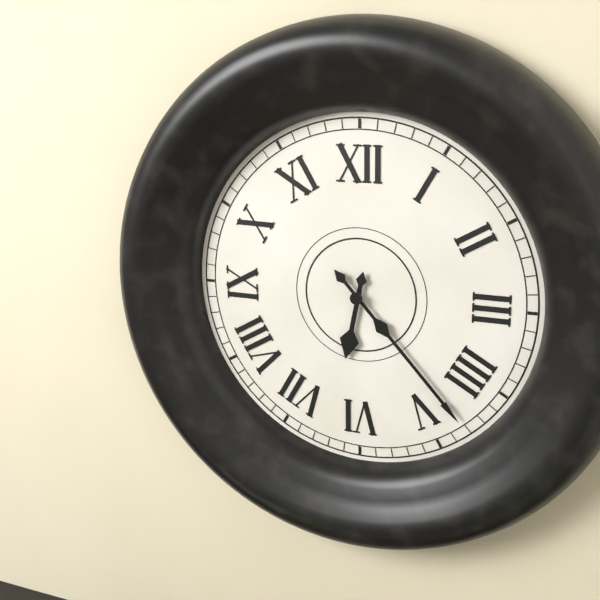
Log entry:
h=6 m=23
